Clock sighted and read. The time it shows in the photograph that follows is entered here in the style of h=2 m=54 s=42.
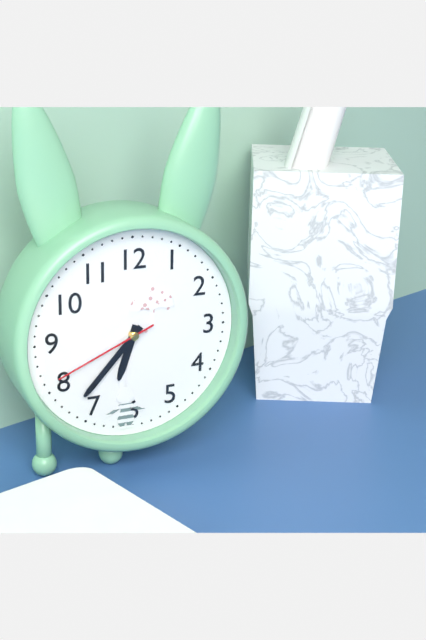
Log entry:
h=6 m=37 s=41
